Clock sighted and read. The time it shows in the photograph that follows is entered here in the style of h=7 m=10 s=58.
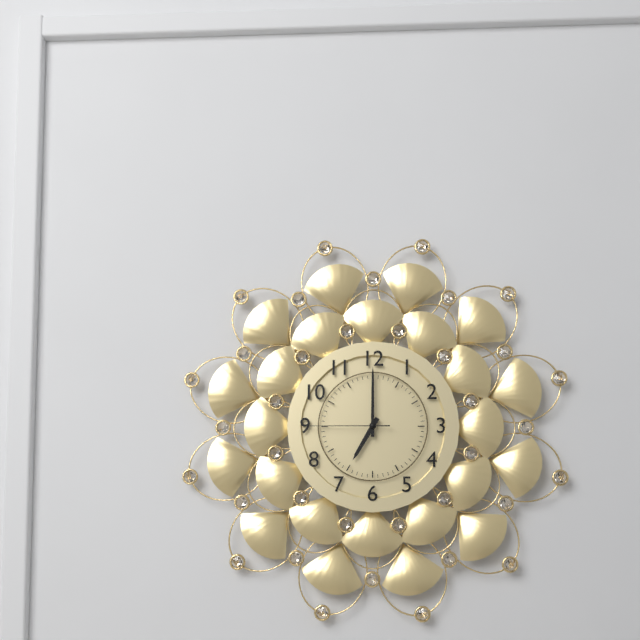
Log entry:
h=7 m=0 s=45
